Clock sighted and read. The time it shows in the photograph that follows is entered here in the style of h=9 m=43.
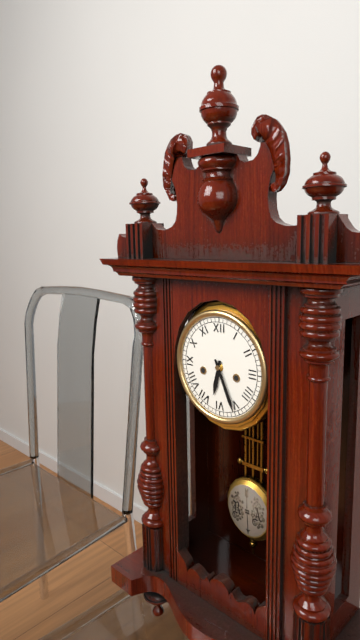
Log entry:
h=6 m=26
